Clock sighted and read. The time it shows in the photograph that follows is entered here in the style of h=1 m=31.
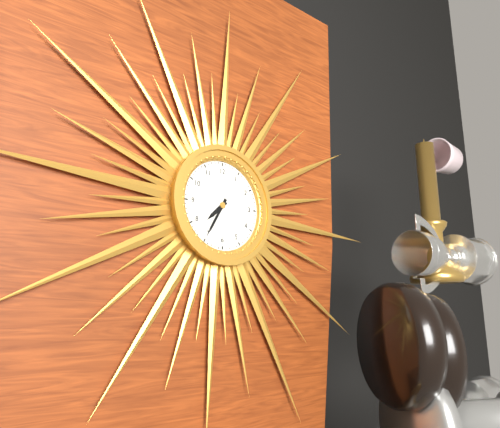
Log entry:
h=7 m=35
